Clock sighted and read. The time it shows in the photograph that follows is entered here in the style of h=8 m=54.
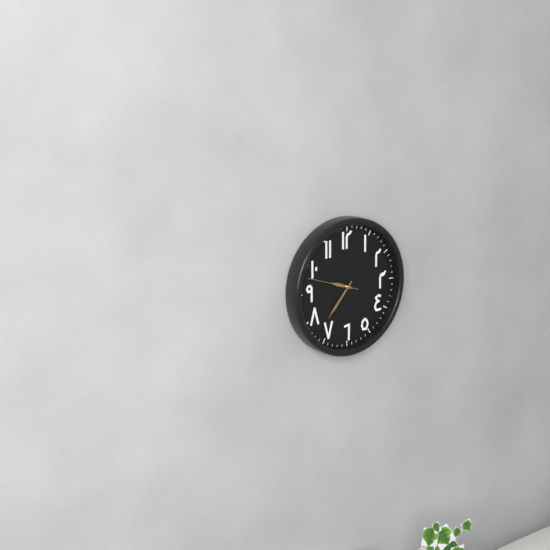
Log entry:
h=9 m=37
